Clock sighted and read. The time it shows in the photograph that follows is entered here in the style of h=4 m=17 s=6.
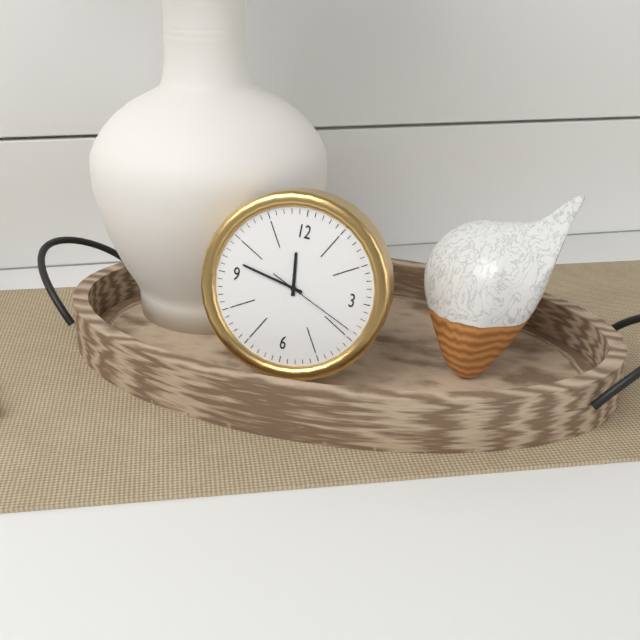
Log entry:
h=11 m=47 s=19
